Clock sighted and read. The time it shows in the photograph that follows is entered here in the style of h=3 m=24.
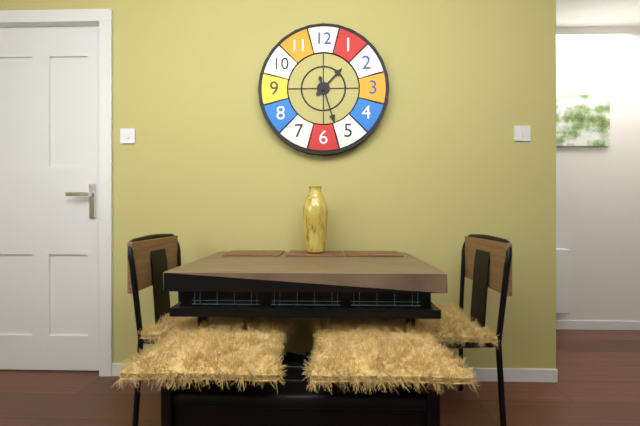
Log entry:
h=1 m=27
